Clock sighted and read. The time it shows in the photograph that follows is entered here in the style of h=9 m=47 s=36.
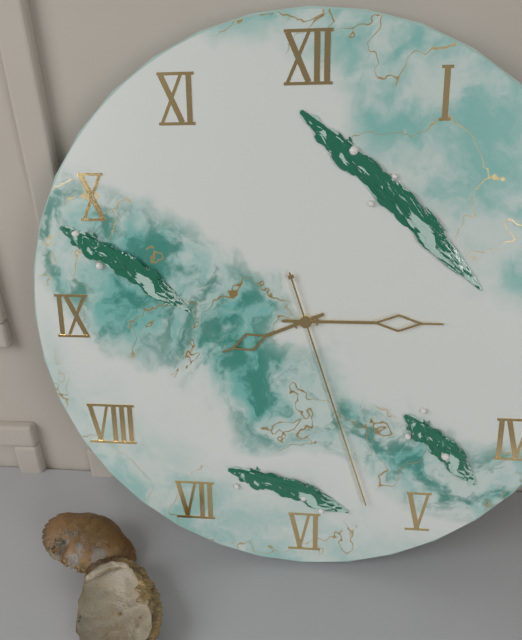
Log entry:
h=8 m=15 s=27
